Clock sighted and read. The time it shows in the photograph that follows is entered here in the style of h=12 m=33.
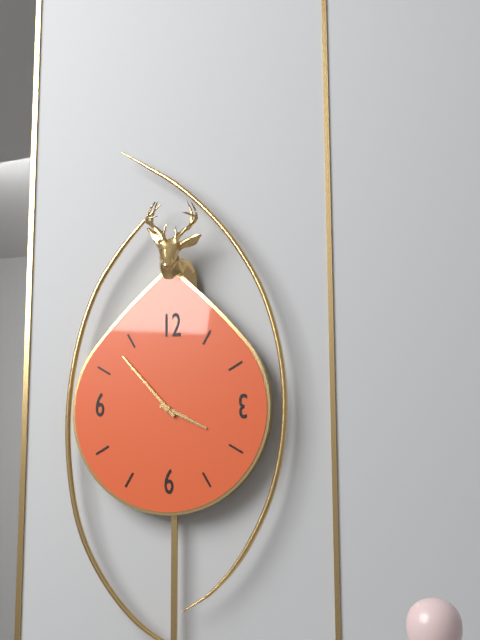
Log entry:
h=3 m=53
